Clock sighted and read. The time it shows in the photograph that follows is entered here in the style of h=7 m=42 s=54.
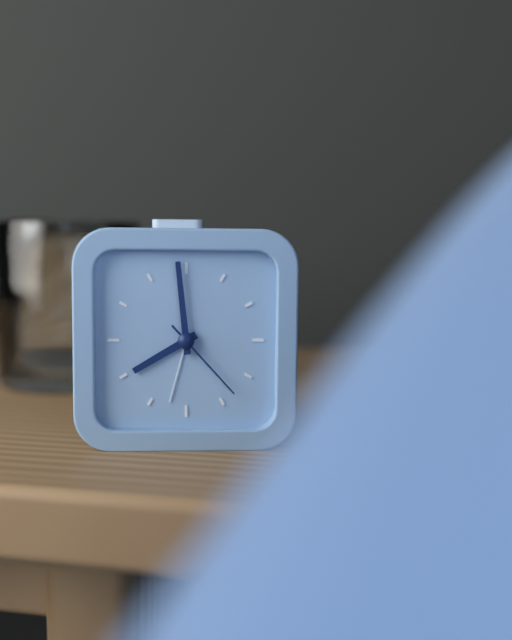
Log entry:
h=7 m=59 s=23
